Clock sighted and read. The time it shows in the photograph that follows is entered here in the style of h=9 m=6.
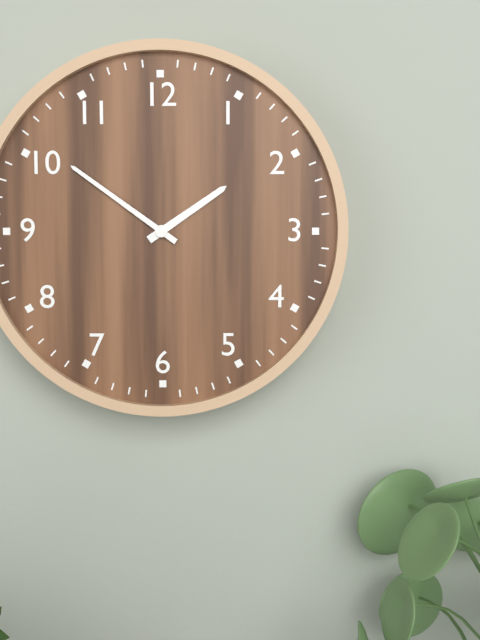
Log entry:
h=1 m=51
